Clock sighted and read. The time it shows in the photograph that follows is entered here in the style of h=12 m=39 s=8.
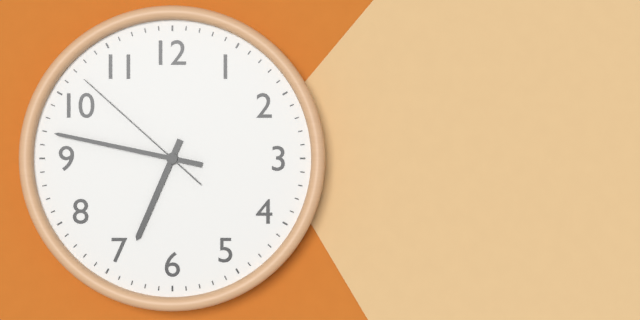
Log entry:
h=6 m=47 s=52
